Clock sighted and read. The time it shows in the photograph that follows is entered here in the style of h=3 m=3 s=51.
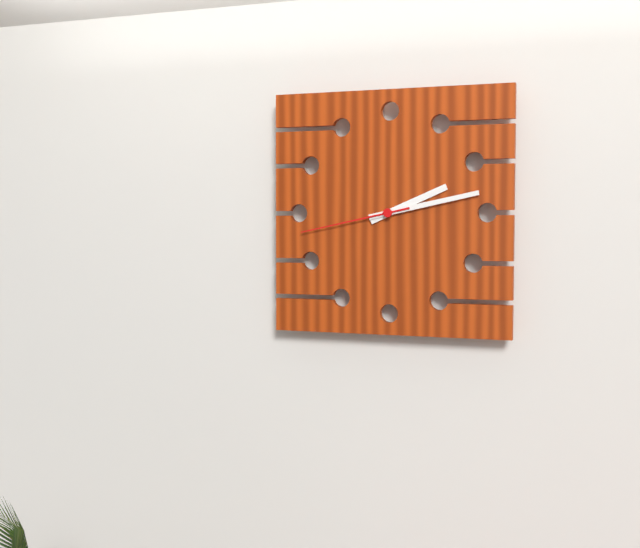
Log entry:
h=2 m=13 s=43
